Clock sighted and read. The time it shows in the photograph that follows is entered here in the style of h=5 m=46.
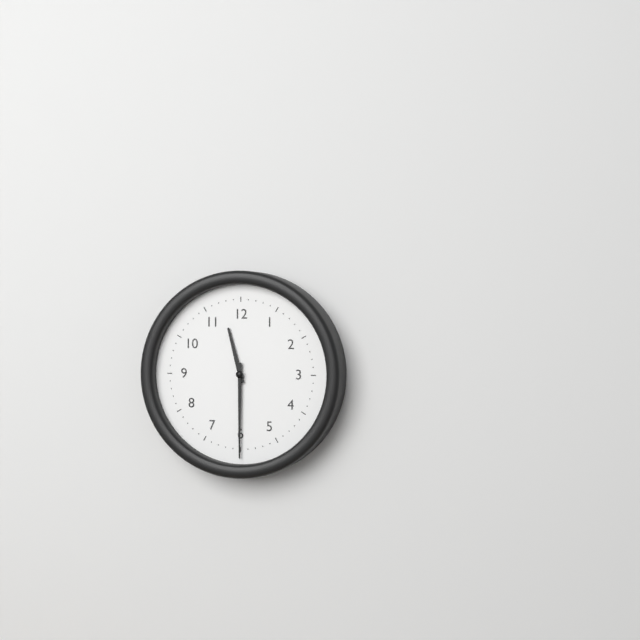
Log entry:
h=11 m=30
